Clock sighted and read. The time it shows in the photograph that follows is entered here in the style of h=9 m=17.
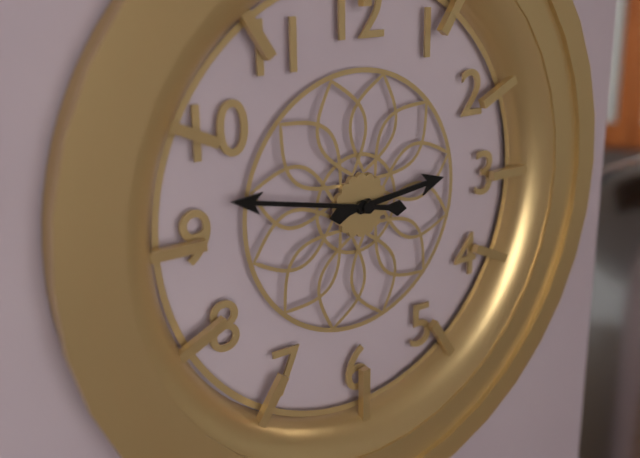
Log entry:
h=2 m=47
